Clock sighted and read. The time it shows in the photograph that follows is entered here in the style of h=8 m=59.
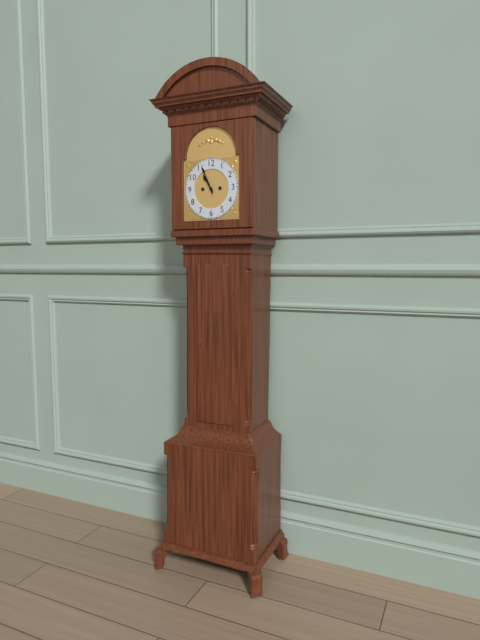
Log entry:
h=10 m=56
